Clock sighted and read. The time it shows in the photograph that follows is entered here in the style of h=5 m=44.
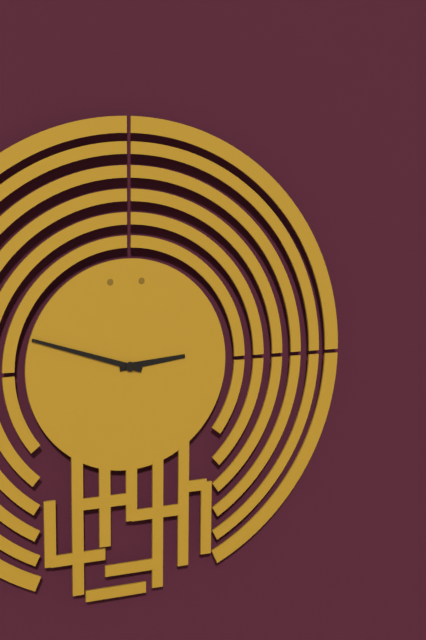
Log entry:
h=2 m=48
